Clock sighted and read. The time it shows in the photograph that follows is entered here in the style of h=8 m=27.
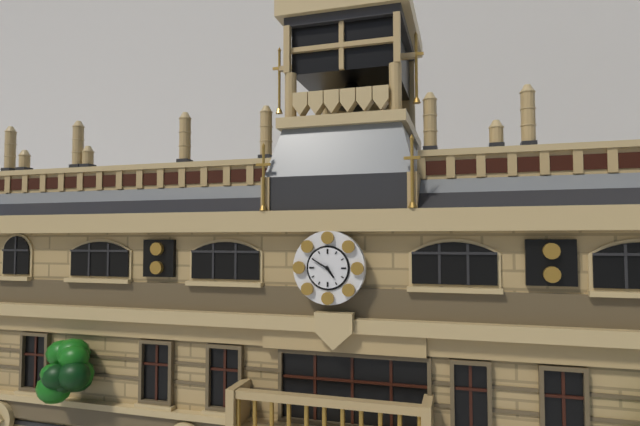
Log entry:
h=4 m=50
